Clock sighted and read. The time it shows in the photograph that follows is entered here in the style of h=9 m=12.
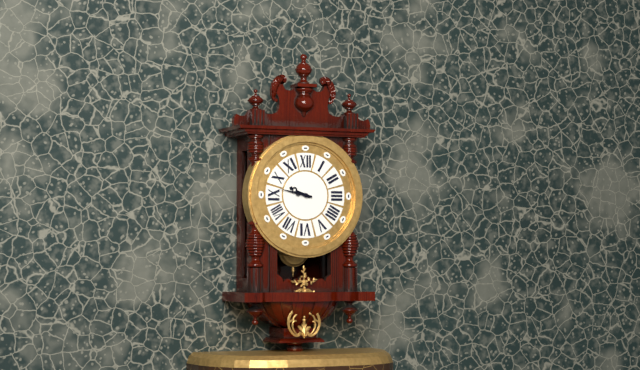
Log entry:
h=9 m=47
